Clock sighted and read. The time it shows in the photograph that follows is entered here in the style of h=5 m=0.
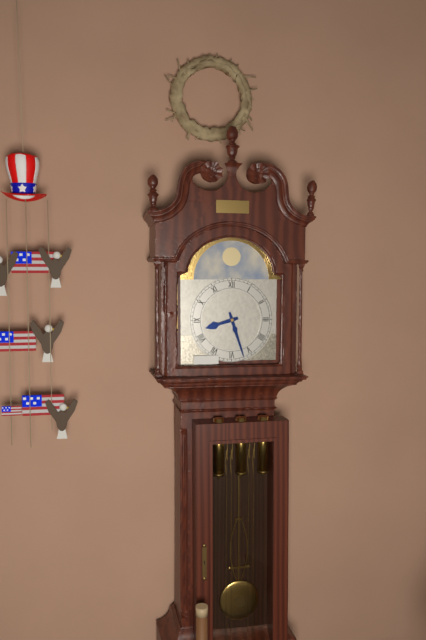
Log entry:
h=8 m=27
